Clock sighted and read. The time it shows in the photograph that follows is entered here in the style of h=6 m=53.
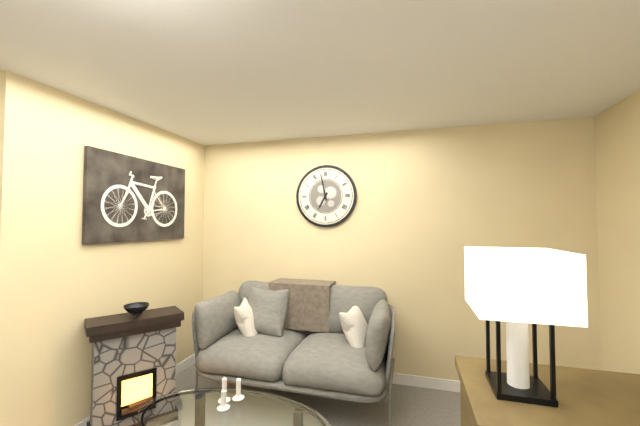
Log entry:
h=6 m=58
